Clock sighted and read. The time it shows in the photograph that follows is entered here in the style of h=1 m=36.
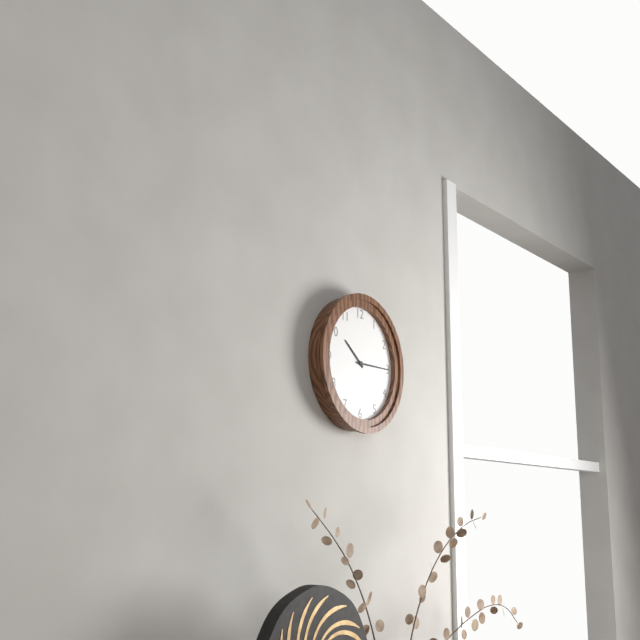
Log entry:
h=10 m=15
